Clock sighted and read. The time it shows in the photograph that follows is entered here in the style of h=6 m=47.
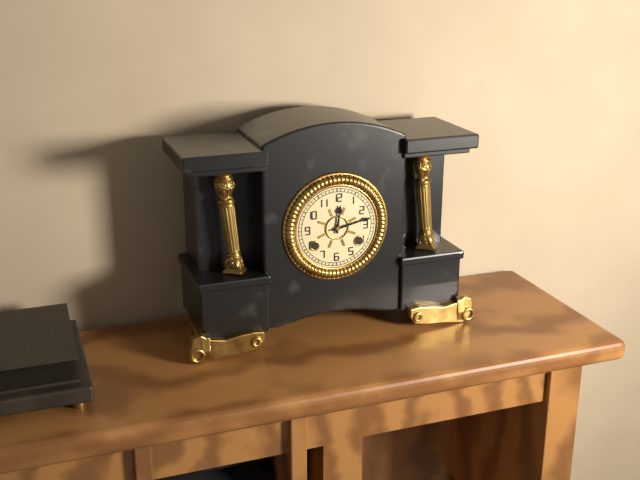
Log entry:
h=12 m=13
